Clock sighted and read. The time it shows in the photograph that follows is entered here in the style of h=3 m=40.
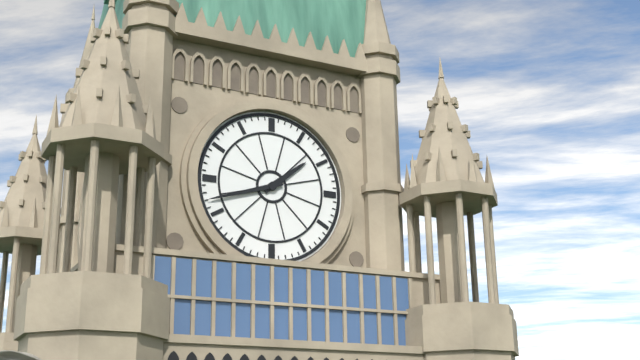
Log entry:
h=1 m=42
